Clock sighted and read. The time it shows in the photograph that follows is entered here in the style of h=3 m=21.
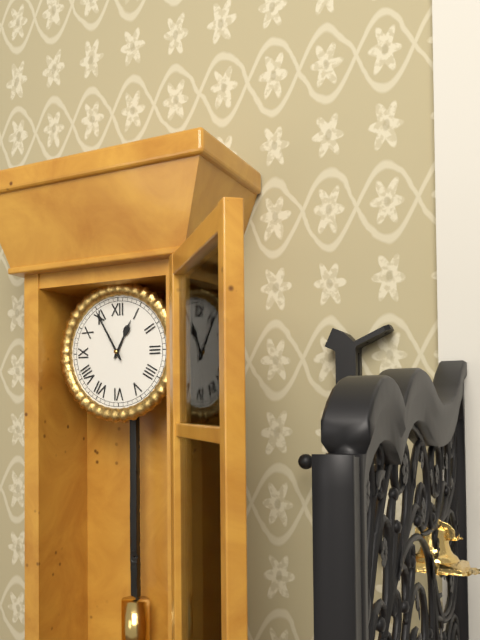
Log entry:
h=12 m=55
